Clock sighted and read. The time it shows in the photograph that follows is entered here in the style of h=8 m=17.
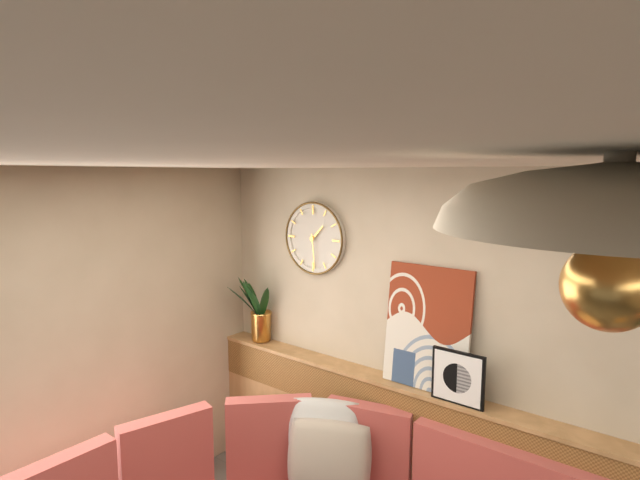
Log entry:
h=1 m=29
